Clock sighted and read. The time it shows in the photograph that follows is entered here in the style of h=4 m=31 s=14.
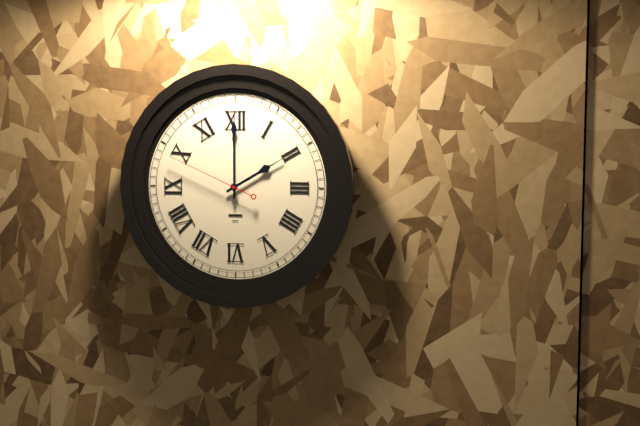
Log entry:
h=2 m=0 s=49
